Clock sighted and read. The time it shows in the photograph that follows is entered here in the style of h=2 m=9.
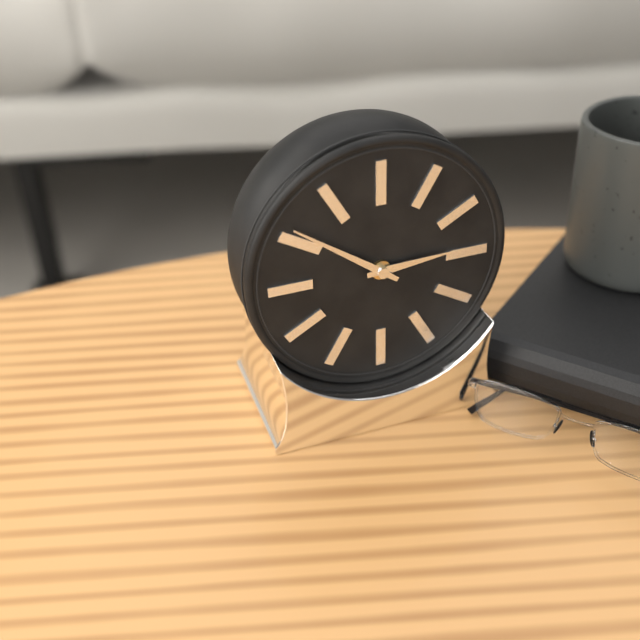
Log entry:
h=2 m=51
